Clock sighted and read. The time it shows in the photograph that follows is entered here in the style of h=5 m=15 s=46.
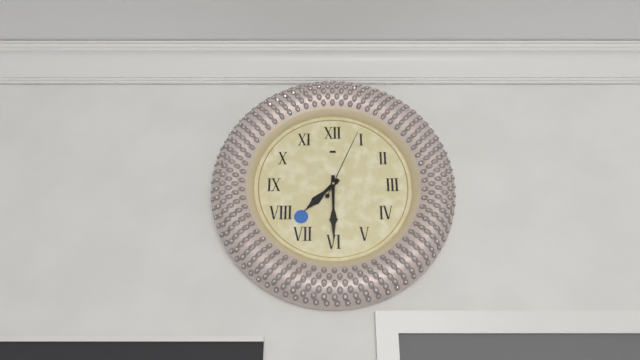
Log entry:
h=7 m=30 s=4
